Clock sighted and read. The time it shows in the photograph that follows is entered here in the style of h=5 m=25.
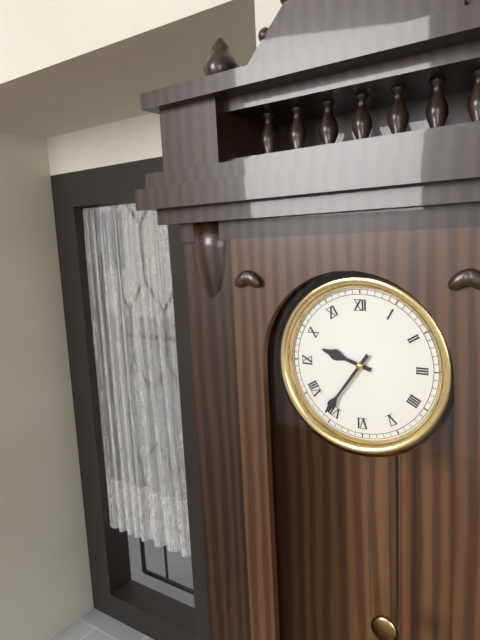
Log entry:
h=9 m=36
